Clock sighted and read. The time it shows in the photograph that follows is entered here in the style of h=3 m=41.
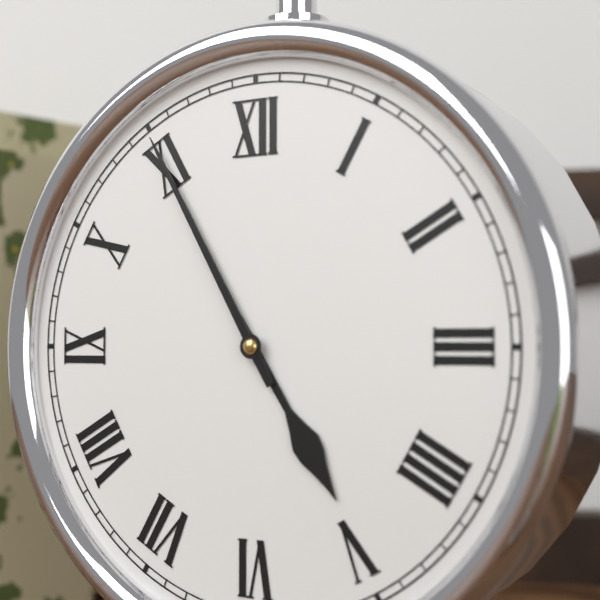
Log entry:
h=4 m=55
